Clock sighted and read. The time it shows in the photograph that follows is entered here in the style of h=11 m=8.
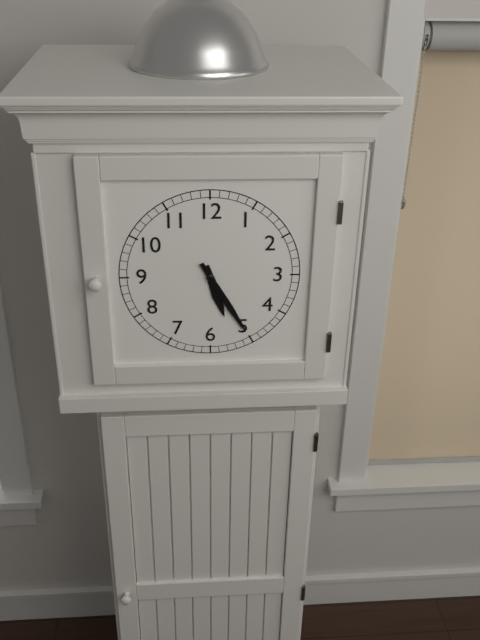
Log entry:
h=5 m=25
